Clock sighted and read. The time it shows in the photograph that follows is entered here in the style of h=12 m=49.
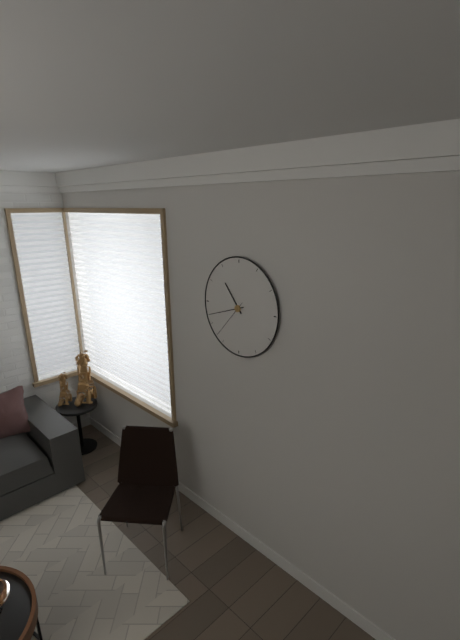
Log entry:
h=10 m=42
